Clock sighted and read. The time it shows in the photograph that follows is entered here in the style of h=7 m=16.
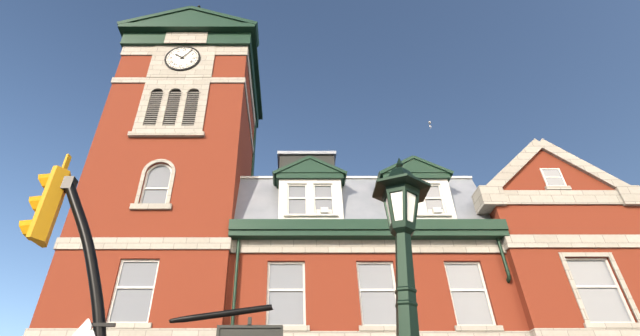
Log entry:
h=10 m=6
